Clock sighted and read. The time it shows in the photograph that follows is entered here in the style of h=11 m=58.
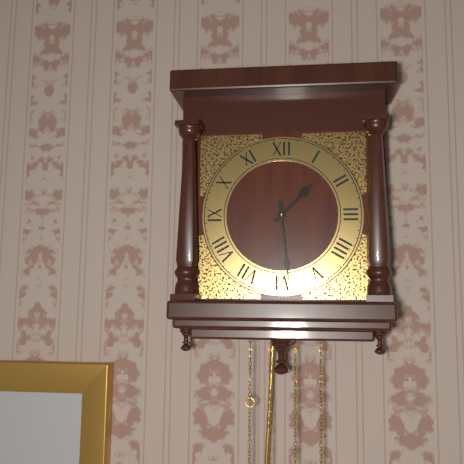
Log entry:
h=1 m=29
